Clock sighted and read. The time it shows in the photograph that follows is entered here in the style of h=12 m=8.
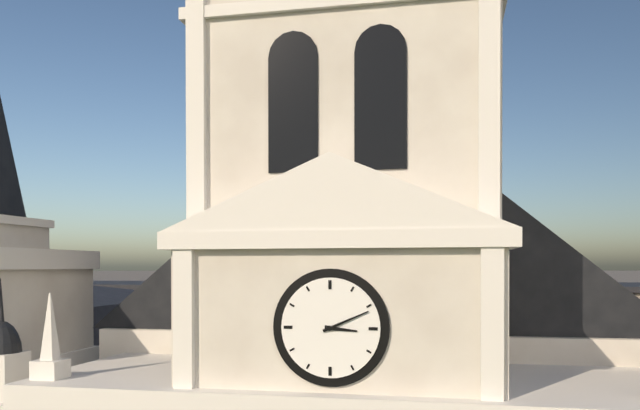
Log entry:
h=3 m=11
